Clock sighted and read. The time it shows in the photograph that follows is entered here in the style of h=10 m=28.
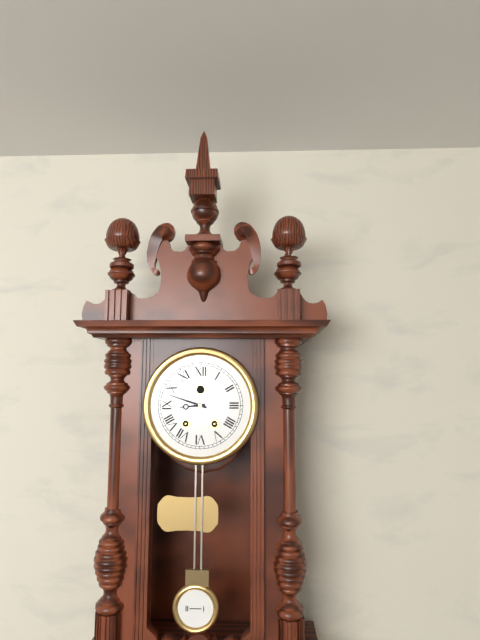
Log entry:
h=8 m=48
